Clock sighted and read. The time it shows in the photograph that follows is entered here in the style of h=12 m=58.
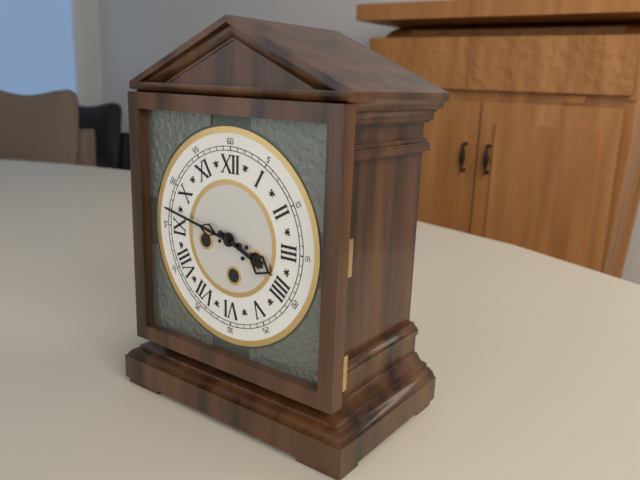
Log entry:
h=3 m=47
